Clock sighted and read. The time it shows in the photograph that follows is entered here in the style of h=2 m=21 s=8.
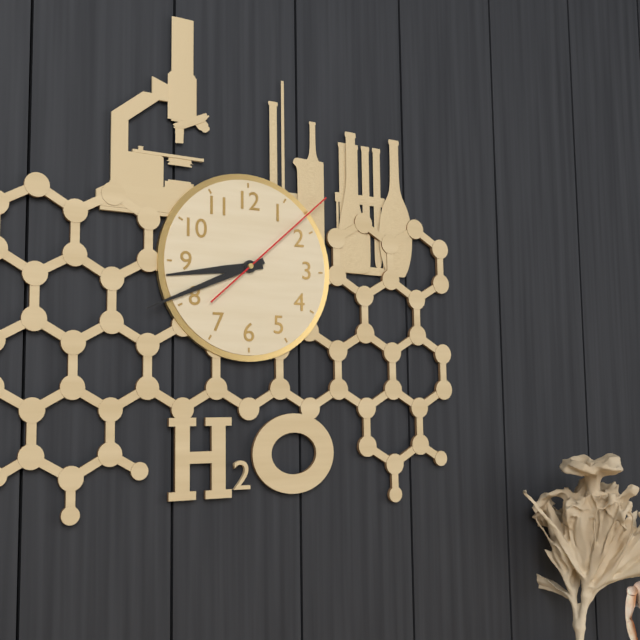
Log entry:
h=8 m=41 s=8
